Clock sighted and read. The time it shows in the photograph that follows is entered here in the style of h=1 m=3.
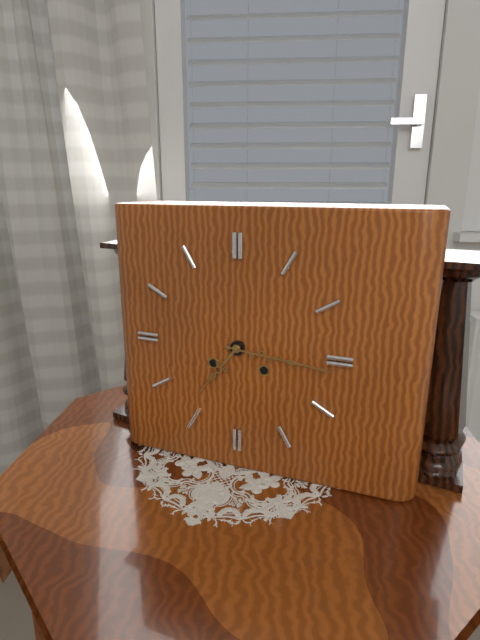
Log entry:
h=7 m=16
